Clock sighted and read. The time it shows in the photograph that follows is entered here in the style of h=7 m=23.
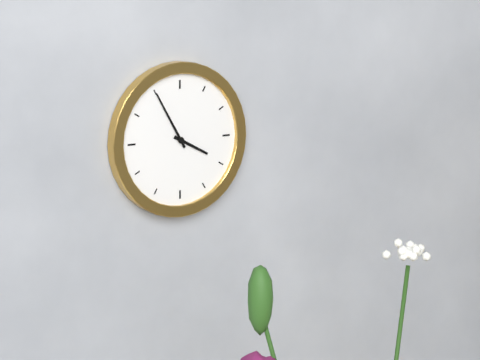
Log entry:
h=3 m=55
